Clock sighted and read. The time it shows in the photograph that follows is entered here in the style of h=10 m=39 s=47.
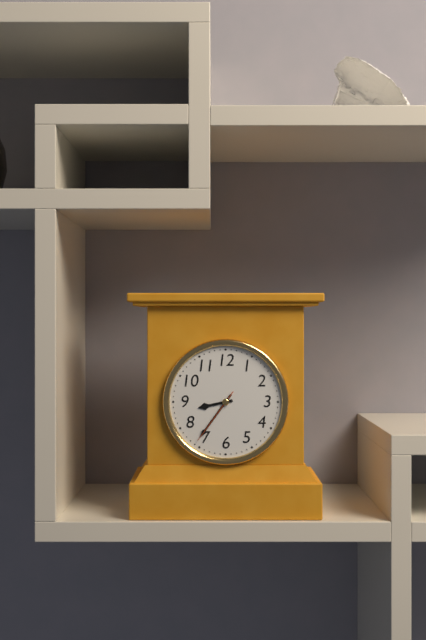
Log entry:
h=8 m=36 s=36
